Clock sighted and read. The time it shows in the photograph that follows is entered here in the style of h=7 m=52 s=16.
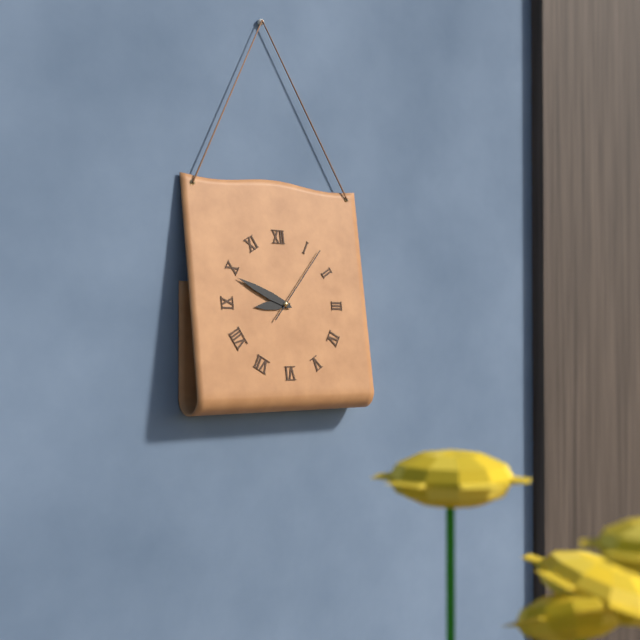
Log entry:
h=8 m=49 s=7
